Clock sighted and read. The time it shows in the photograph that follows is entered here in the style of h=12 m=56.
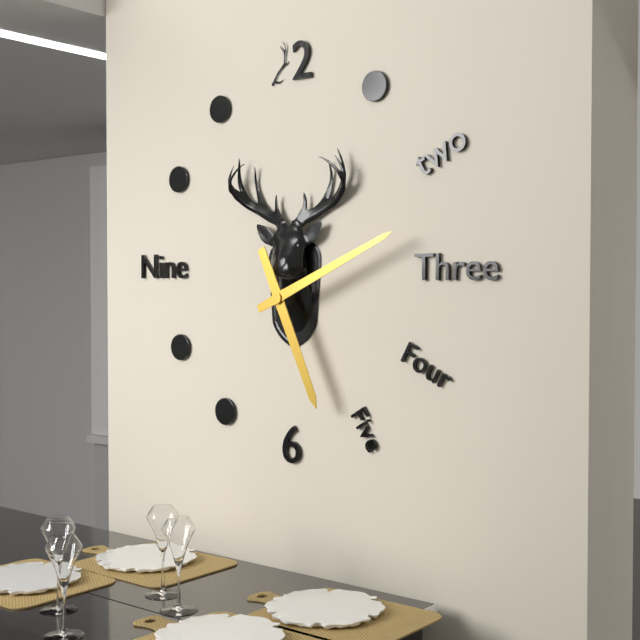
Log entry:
h=5 m=11
